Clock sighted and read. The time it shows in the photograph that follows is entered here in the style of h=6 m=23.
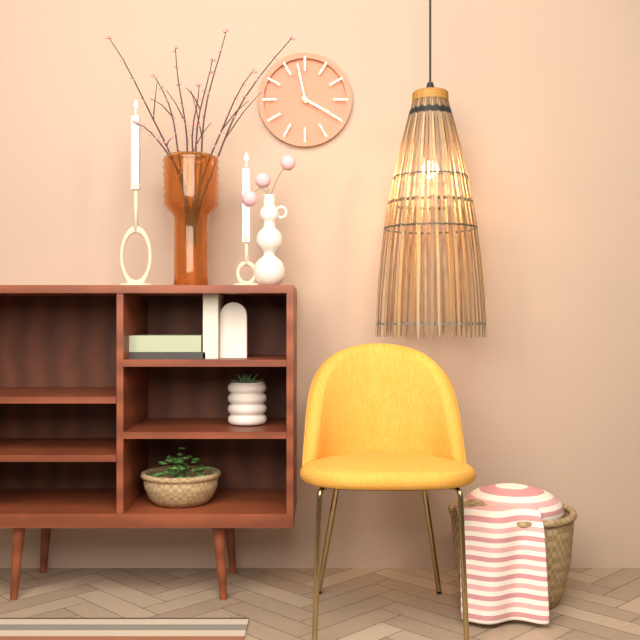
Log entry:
h=3 m=58
